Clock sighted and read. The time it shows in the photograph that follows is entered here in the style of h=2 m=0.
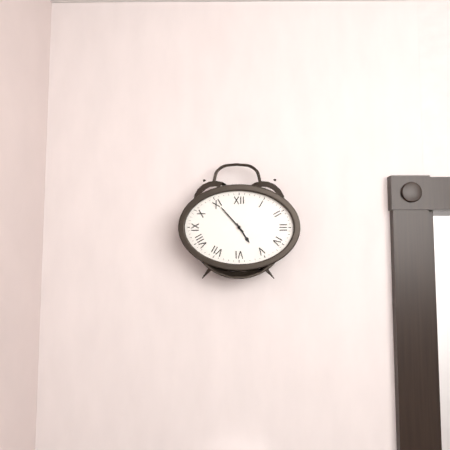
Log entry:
h=4 m=53
